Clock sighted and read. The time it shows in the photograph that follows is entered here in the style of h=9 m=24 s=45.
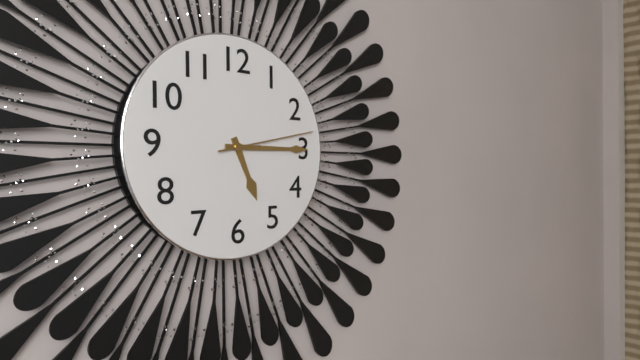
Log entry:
h=5 m=15 s=13
